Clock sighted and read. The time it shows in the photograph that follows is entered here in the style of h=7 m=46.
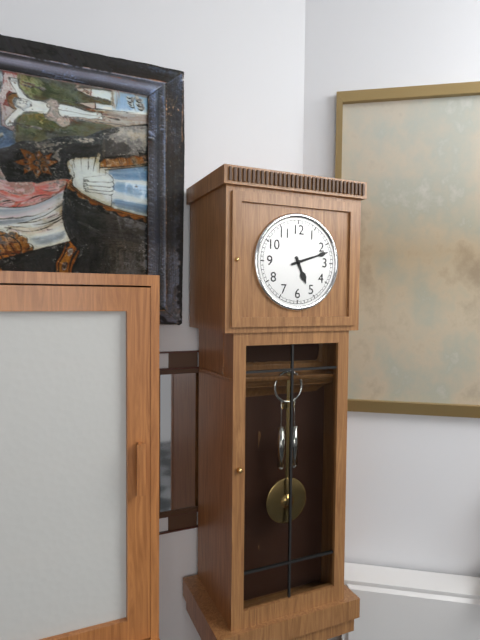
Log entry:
h=5 m=12
